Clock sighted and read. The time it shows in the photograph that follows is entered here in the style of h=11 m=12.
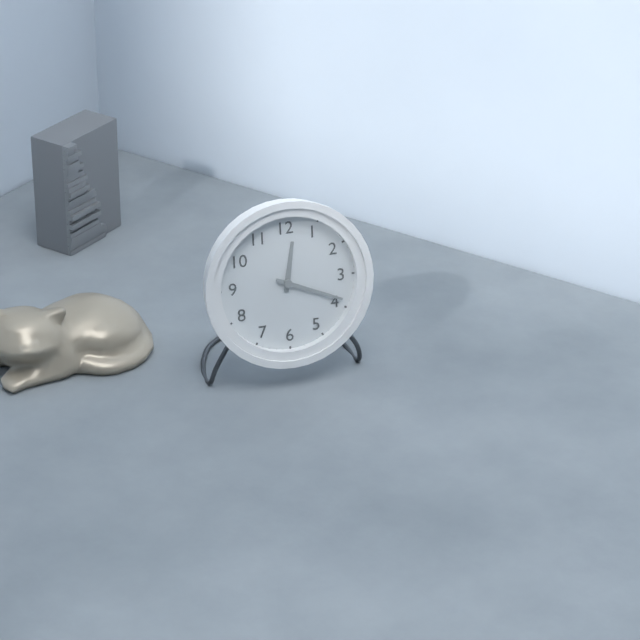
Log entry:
h=12 m=19
